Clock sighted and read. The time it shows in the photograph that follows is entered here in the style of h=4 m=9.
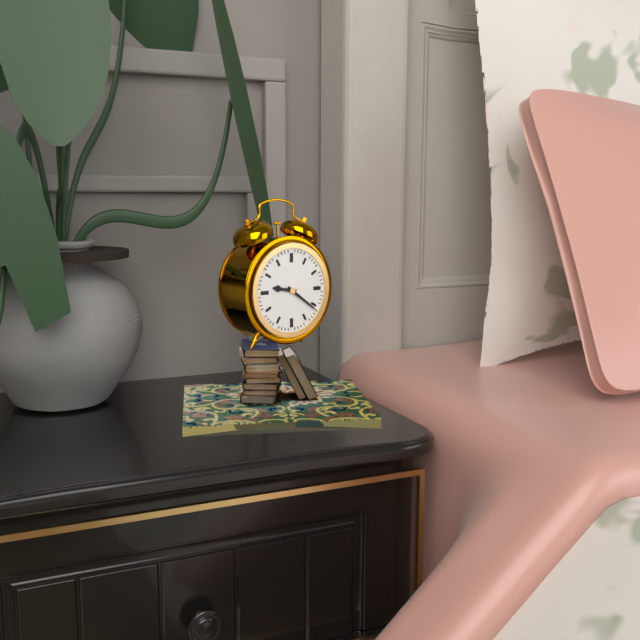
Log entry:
h=9 m=21
